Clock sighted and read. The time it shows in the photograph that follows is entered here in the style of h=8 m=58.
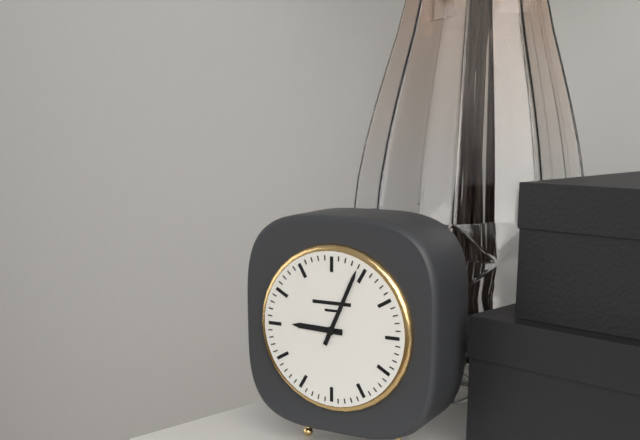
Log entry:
h=9 m=4
